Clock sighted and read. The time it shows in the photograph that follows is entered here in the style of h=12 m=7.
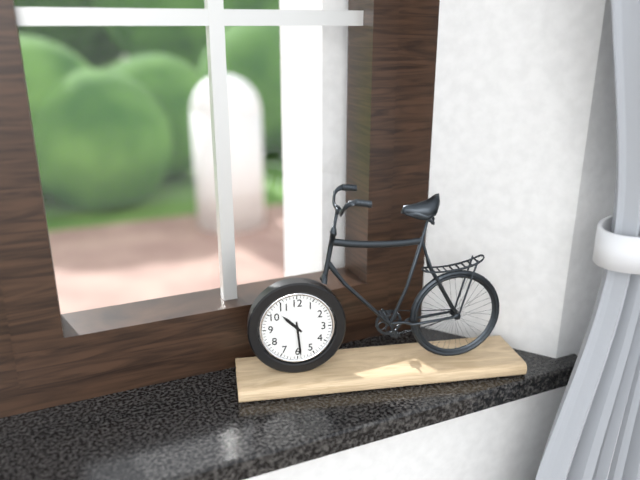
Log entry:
h=10 m=29
